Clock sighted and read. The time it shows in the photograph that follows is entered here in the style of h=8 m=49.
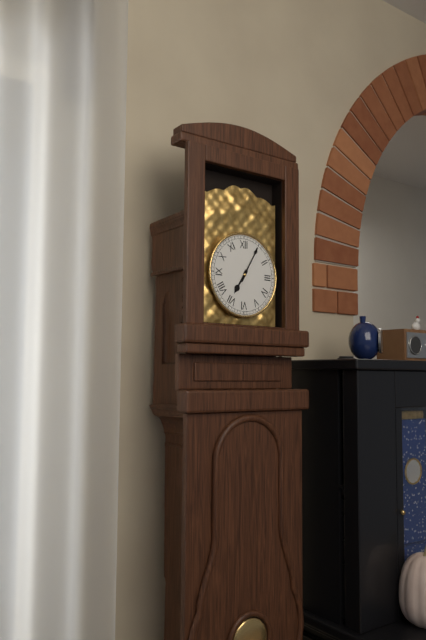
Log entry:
h=7 m=5
